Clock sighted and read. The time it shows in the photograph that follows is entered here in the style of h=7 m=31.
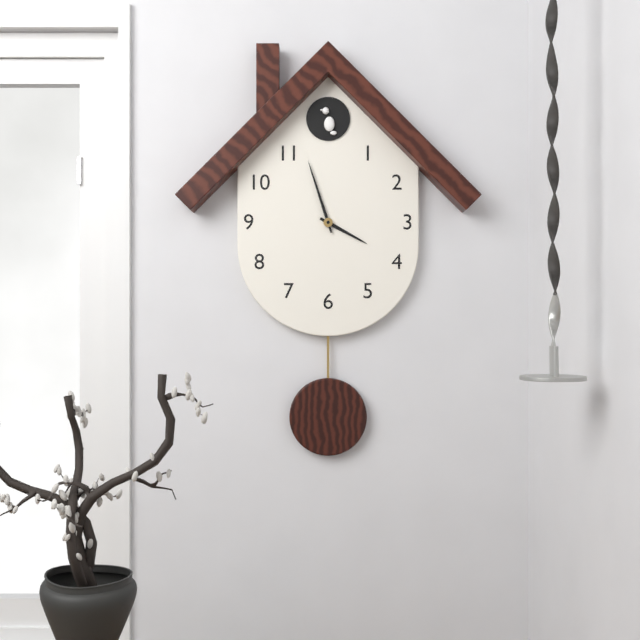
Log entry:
h=3 m=57
